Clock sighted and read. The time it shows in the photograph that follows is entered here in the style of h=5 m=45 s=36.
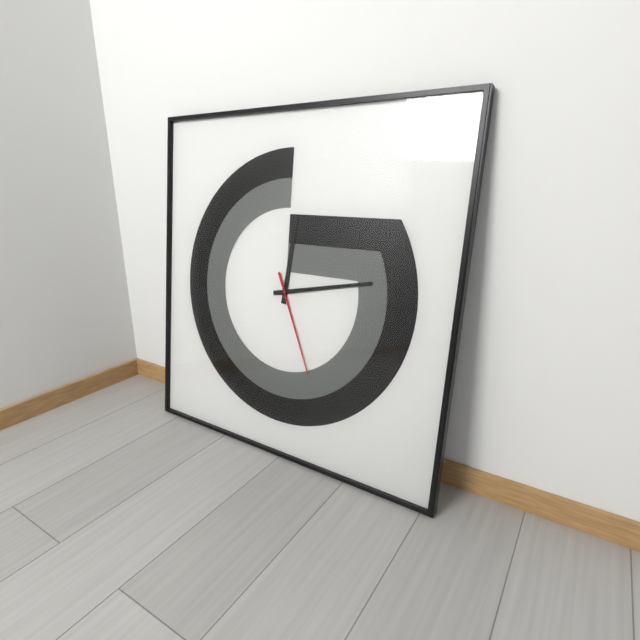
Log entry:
h=12 m=13 s=26
